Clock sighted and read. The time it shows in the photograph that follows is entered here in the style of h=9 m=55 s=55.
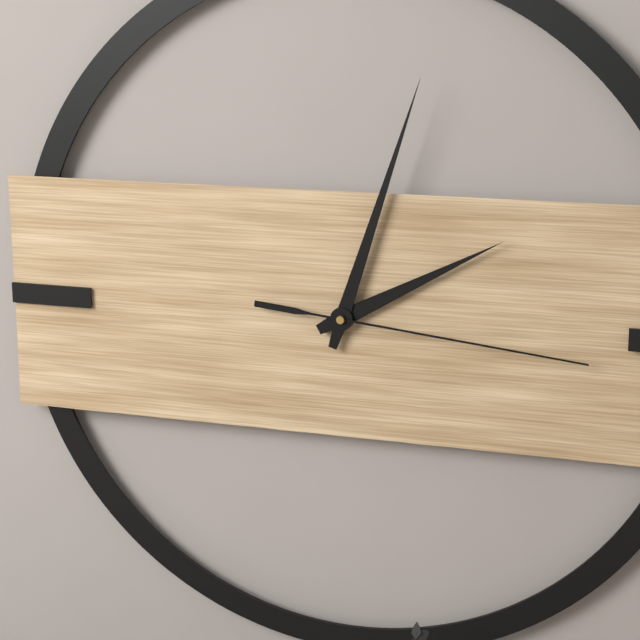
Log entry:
h=2 m=3 s=16
